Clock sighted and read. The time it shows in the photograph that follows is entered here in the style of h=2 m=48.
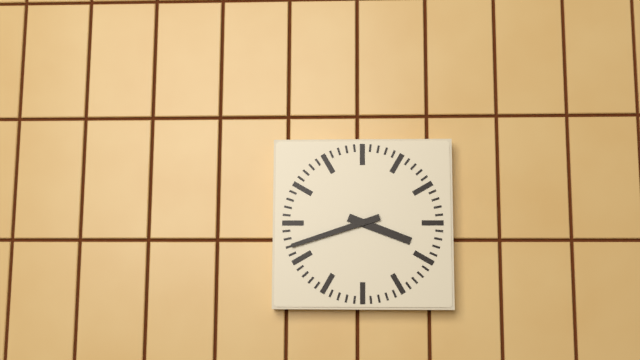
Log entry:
h=3 m=42
